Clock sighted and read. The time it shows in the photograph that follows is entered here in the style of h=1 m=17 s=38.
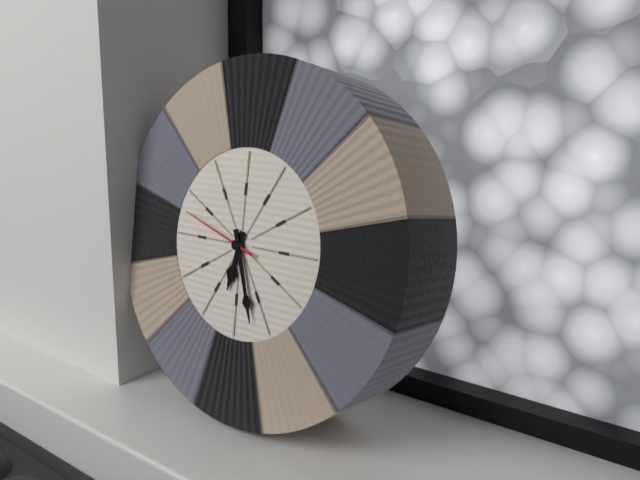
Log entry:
h=6 m=27 s=48
